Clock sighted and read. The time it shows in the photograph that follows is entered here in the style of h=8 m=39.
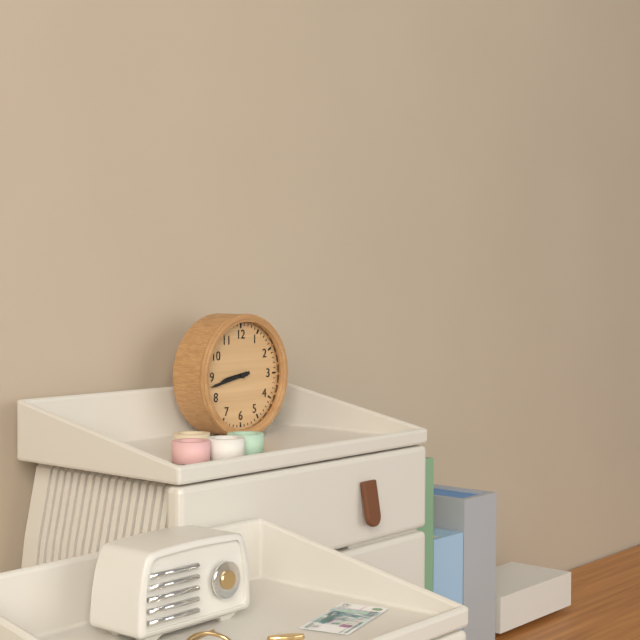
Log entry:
h=8 m=43
